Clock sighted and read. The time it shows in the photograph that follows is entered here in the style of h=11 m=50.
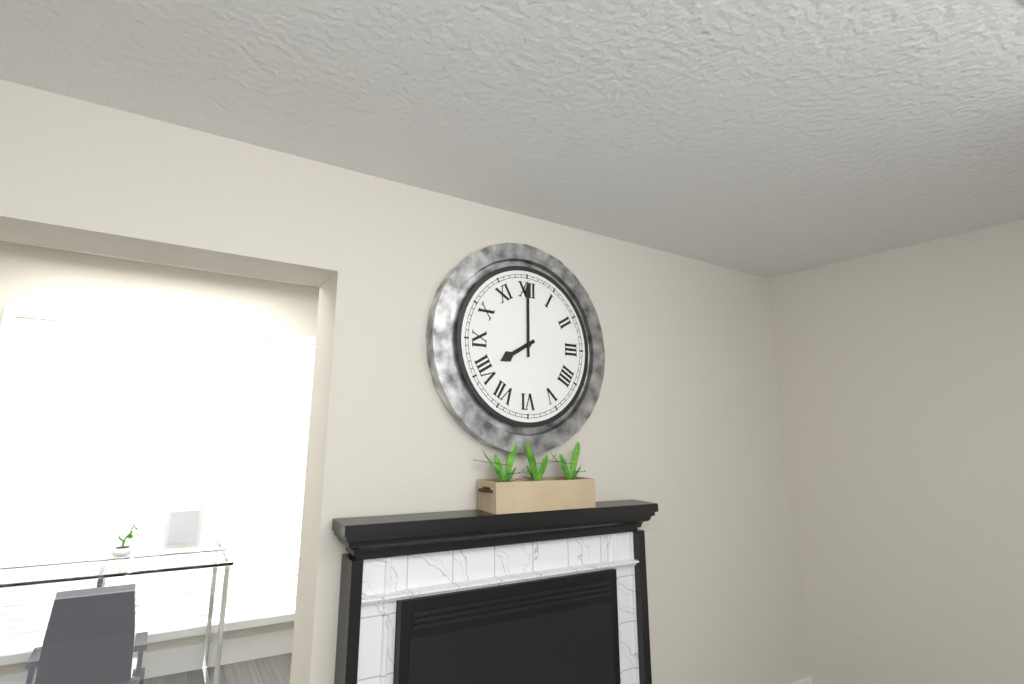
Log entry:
h=8 m=0
